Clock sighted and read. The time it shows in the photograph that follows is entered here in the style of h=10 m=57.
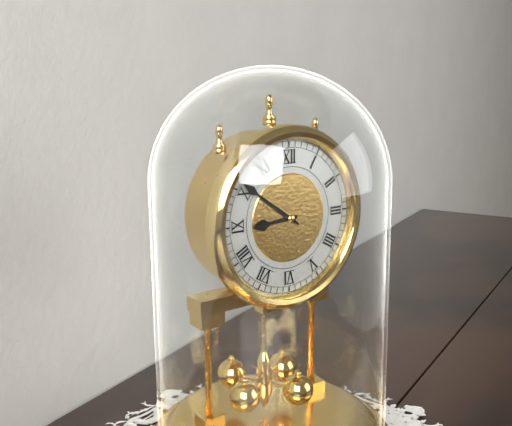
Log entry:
h=8 m=51
